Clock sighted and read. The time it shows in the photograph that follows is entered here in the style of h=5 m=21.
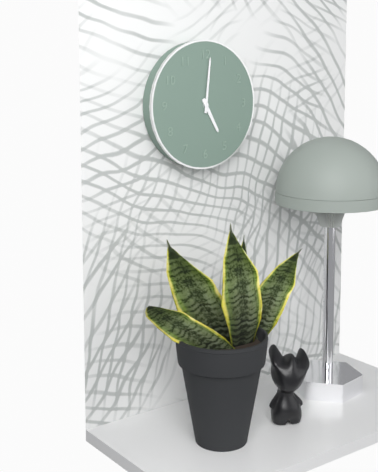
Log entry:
h=5 m=1
